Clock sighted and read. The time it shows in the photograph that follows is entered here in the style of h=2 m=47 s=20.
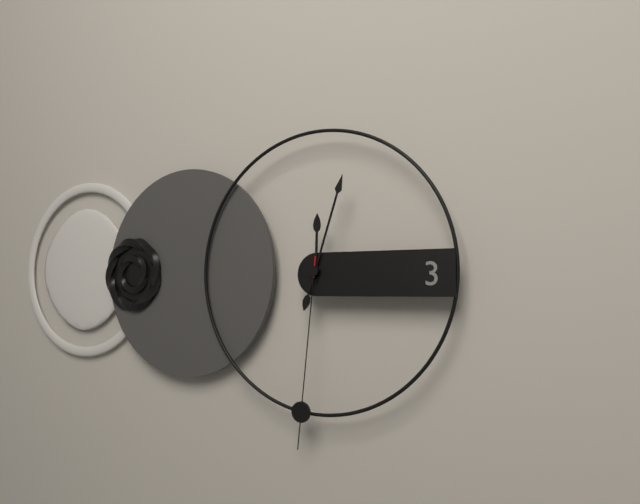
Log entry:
h=12 m=3 s=31
